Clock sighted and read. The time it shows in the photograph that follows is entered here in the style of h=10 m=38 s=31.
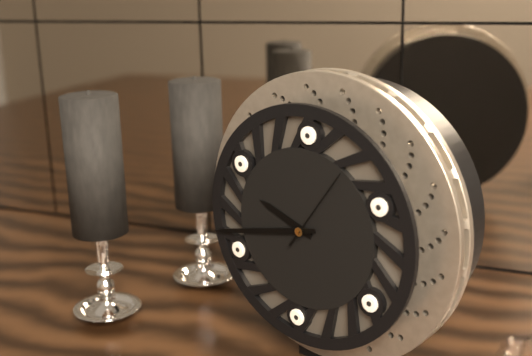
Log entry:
h=9 m=43 s=6
